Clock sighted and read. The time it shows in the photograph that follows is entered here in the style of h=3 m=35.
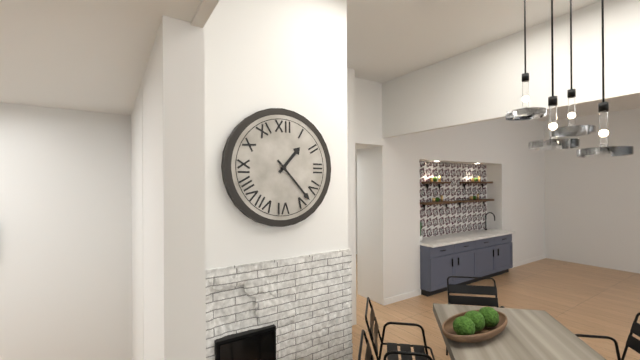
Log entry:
h=1 m=23
